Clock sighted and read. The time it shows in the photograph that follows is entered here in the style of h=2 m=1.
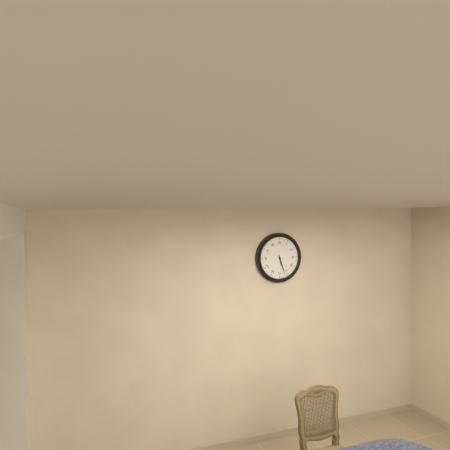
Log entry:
h=5 m=27
